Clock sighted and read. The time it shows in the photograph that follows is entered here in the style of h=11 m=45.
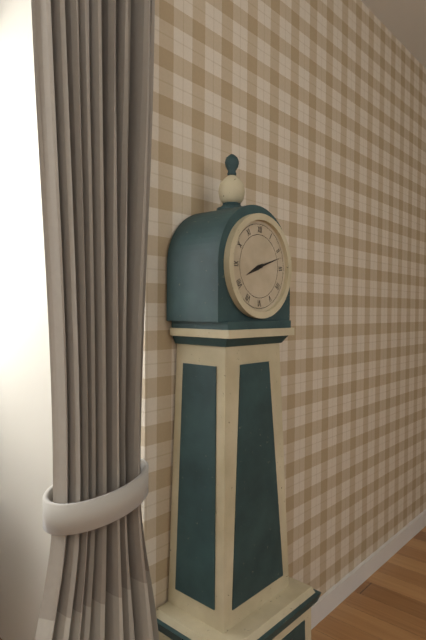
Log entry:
h=8 m=12
